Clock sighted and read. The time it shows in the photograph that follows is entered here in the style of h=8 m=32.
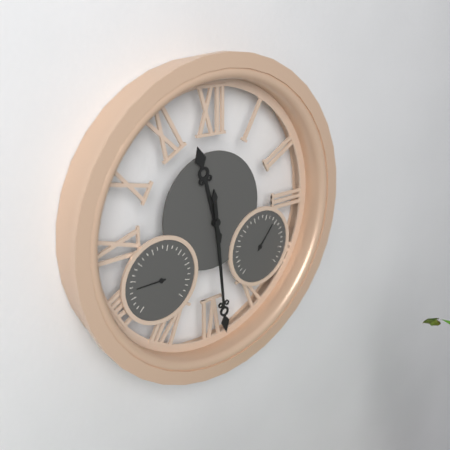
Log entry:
h=11 m=29
